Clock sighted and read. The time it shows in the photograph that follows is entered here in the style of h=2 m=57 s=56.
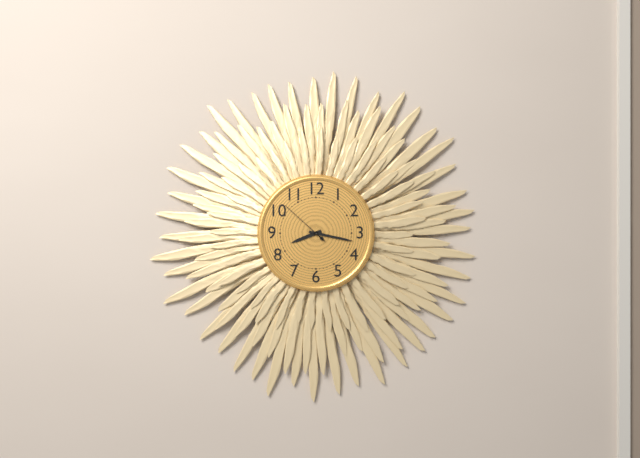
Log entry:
h=8 m=17 s=52
